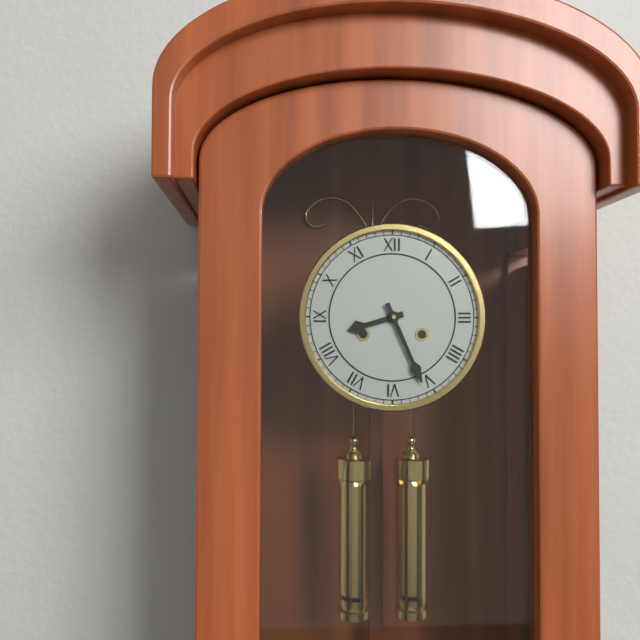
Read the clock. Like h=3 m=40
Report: h=8 m=26
